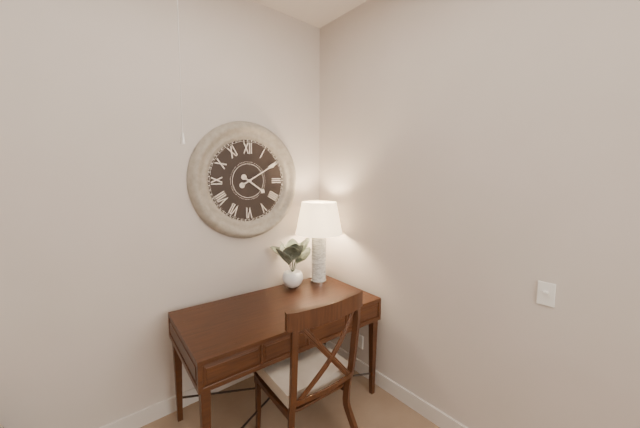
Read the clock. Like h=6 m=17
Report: h=4 m=10
